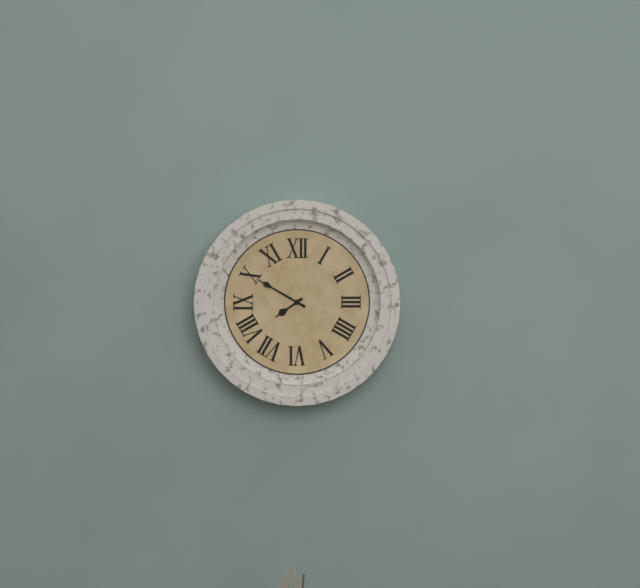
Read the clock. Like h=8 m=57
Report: h=7 m=50
